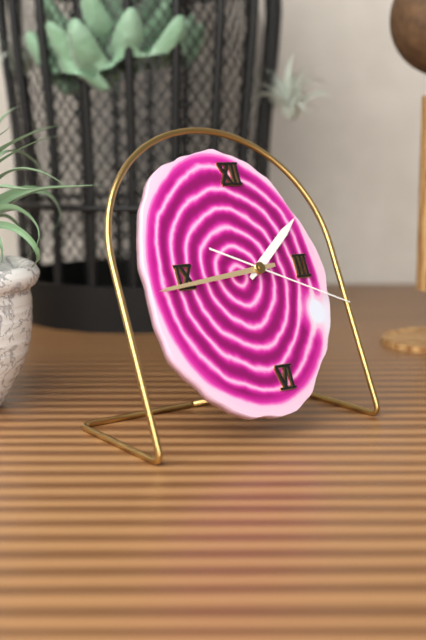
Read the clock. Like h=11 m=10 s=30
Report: h=1 m=44 s=19
